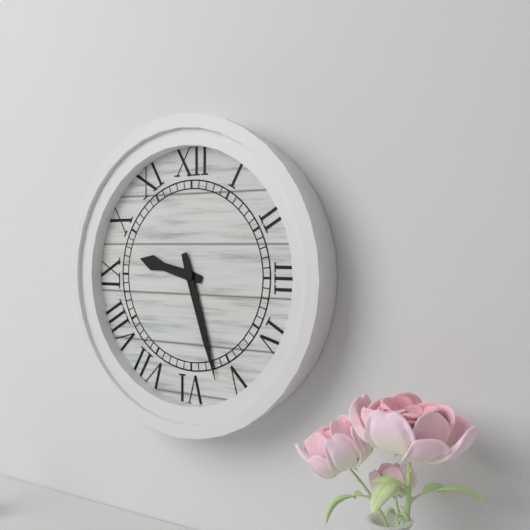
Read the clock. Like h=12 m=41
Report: h=9 m=27
